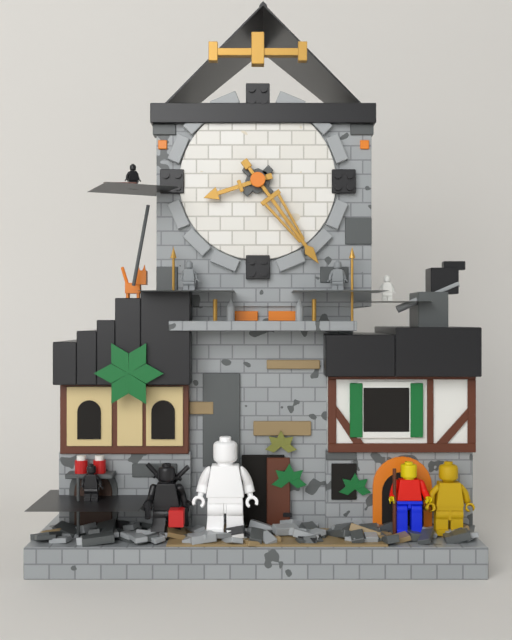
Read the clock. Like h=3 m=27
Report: h=8 m=24
